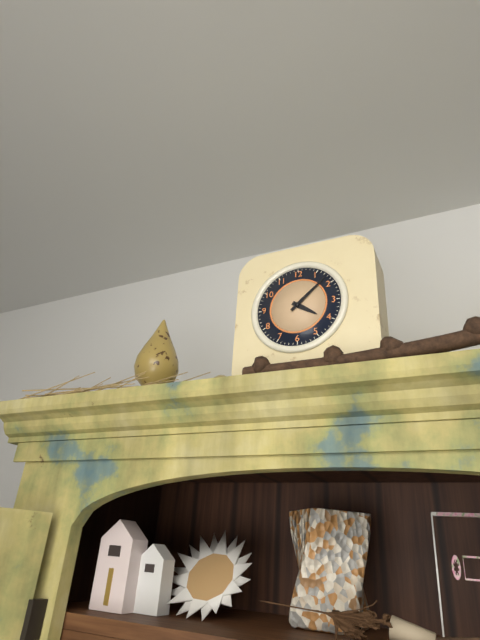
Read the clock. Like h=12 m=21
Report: h=4 m=8
